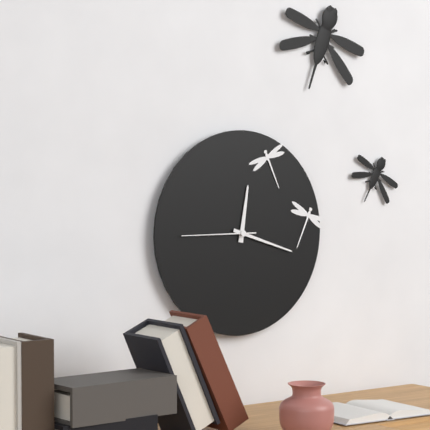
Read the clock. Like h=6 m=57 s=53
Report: h=12 m=18 s=45
